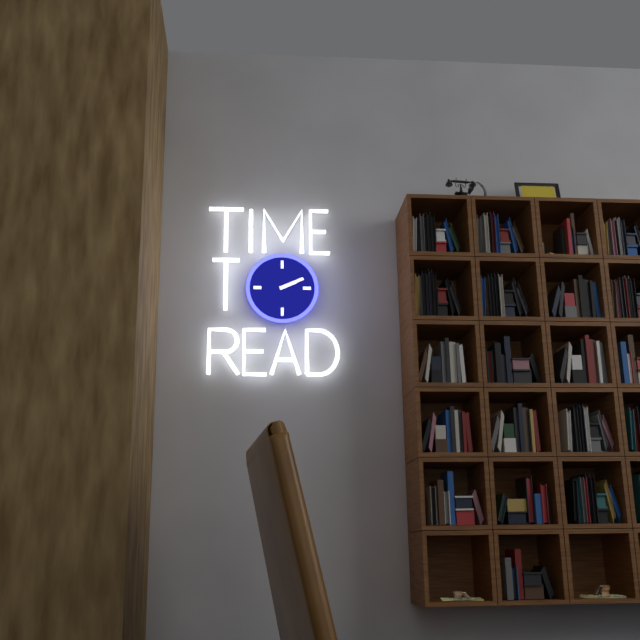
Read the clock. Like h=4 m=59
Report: h=2 m=11
